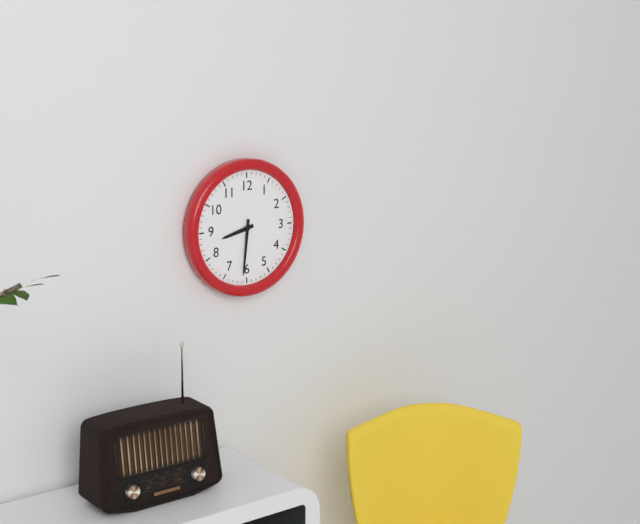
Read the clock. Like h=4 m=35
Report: h=8 m=31
